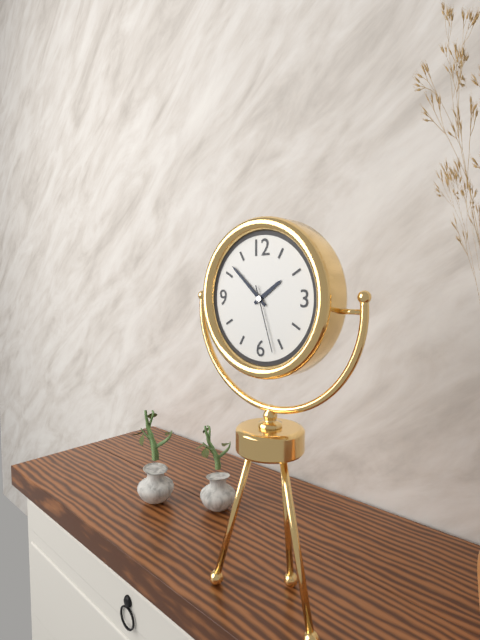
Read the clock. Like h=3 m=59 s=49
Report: h=1 m=52 s=27
